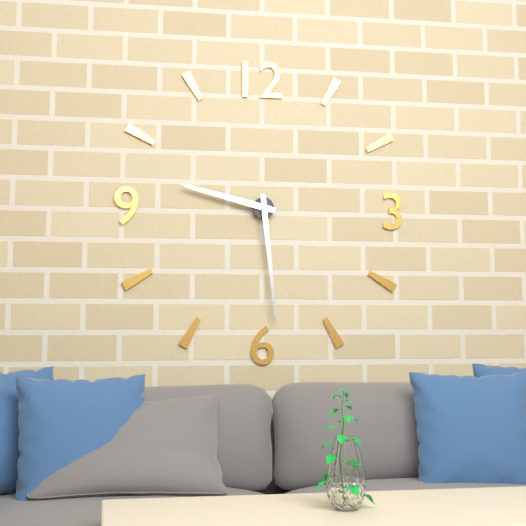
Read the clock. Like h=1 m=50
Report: h=9 m=29
